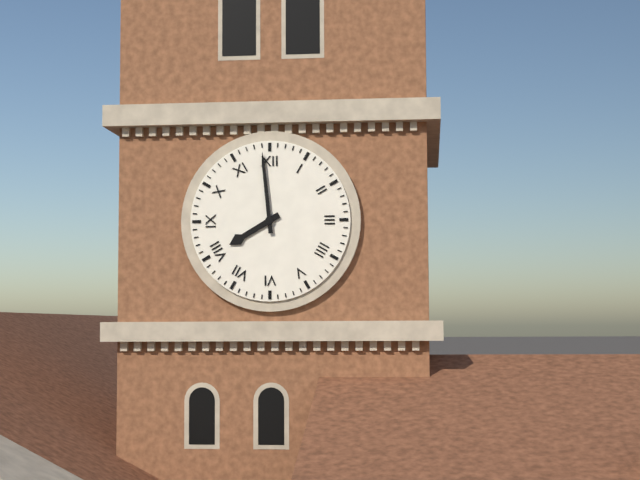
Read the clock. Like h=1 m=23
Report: h=7 m=59
